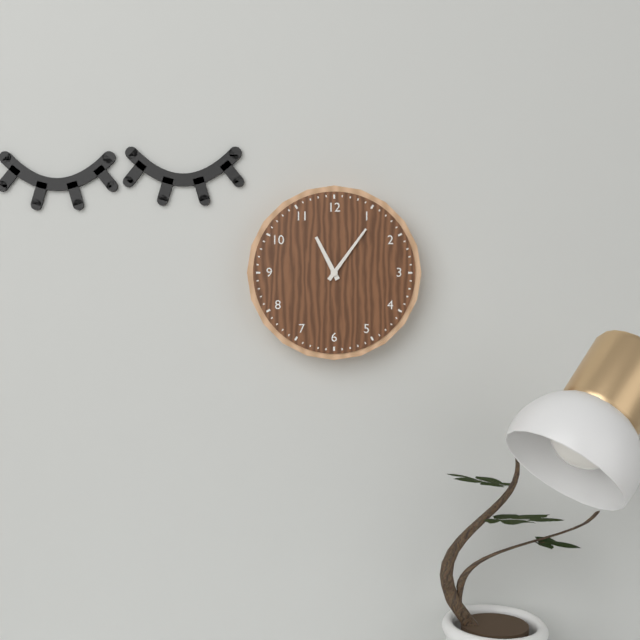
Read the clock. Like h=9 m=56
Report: h=11 m=6
